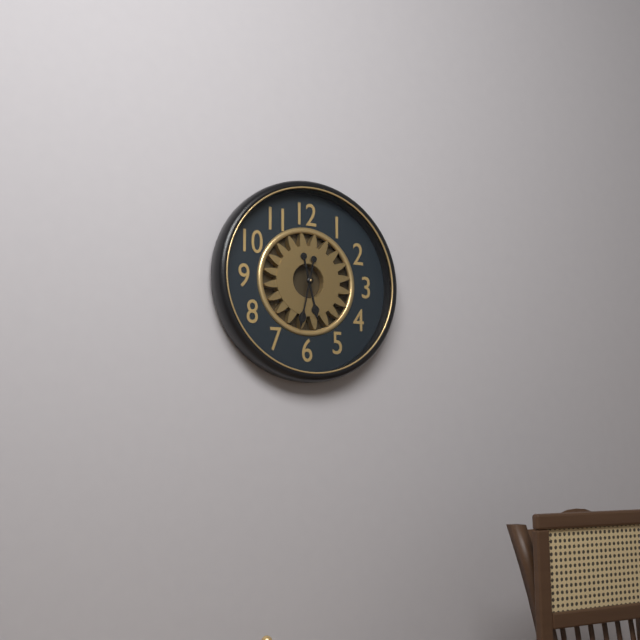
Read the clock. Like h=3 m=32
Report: h=5 m=32
